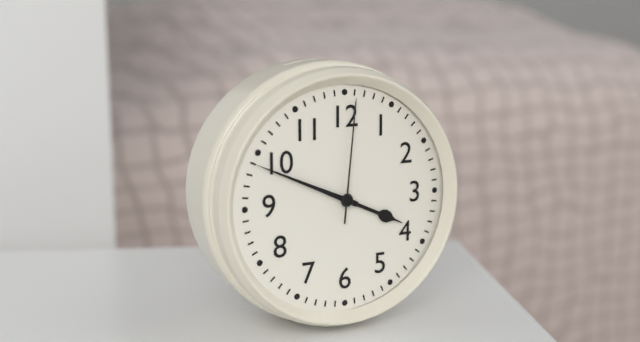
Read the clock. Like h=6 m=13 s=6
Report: h=3 m=49 s=1
